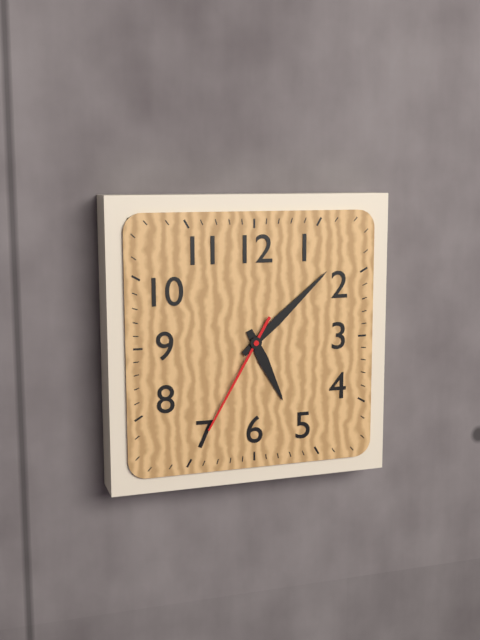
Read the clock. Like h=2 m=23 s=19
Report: h=5 m=8 s=35
